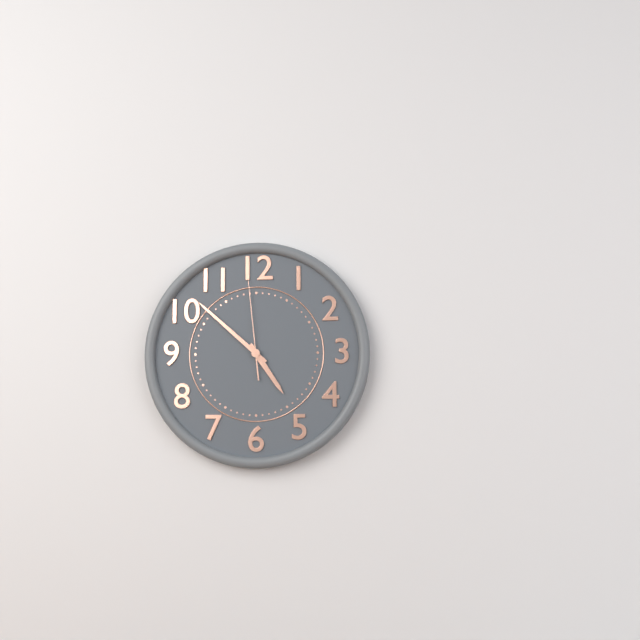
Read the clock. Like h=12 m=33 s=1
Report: h=4 m=52 s=59
